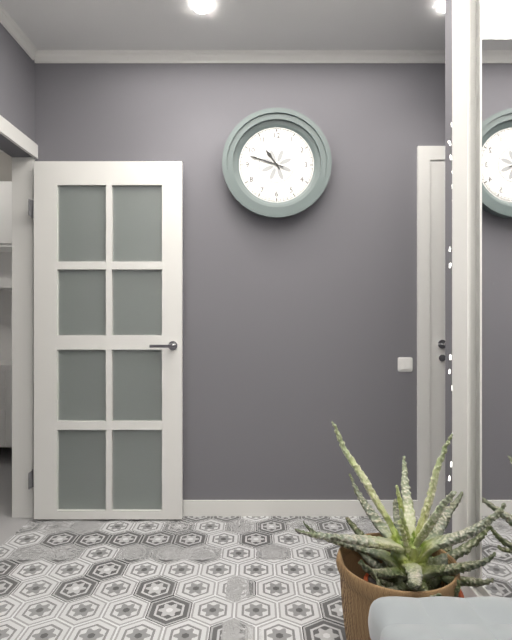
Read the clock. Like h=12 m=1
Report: h=10 m=48
